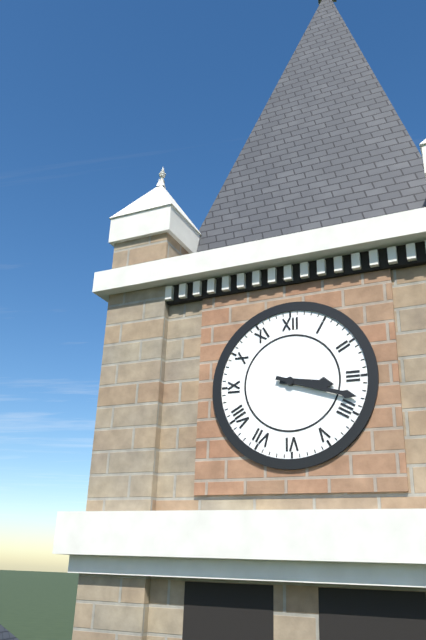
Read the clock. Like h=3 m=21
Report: h=3 m=18
